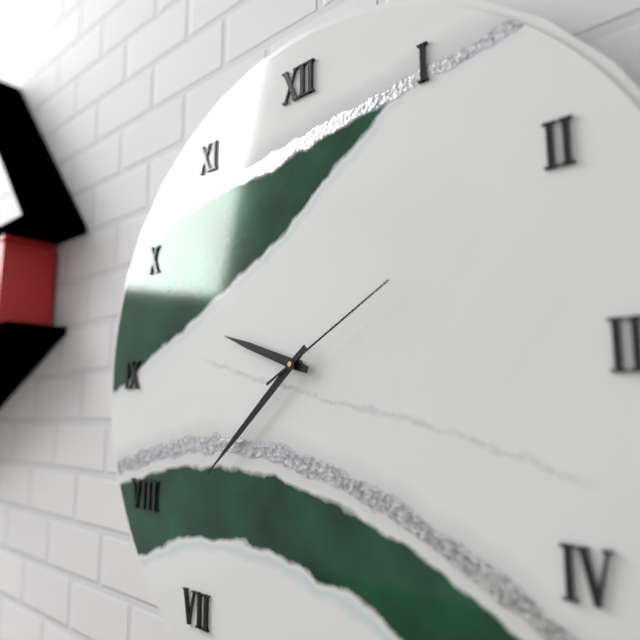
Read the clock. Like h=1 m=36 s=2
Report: h=9 m=38 s=10
